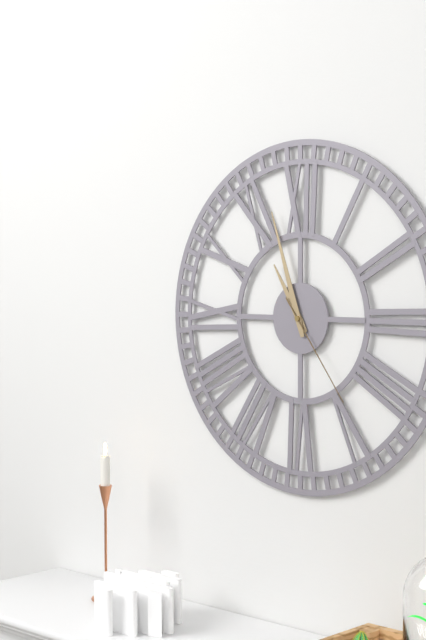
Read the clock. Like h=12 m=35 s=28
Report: h=10 m=57 s=24
